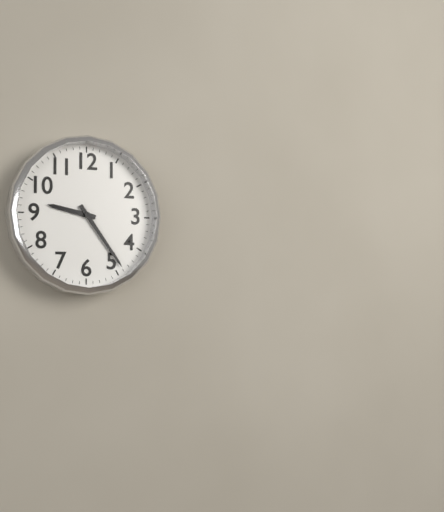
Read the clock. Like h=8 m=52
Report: h=9 m=24
